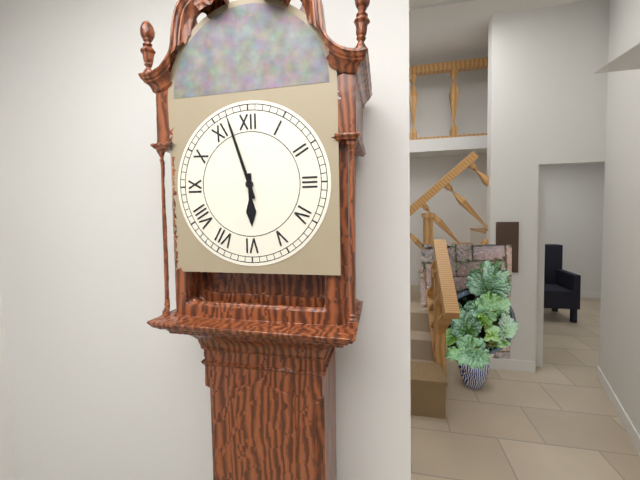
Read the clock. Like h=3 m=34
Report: h=5 m=57
